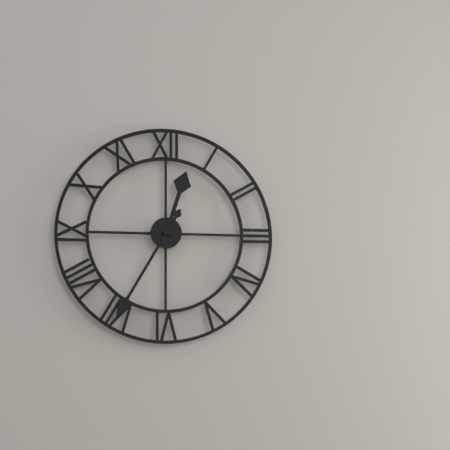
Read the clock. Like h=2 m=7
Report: h=12 m=35
